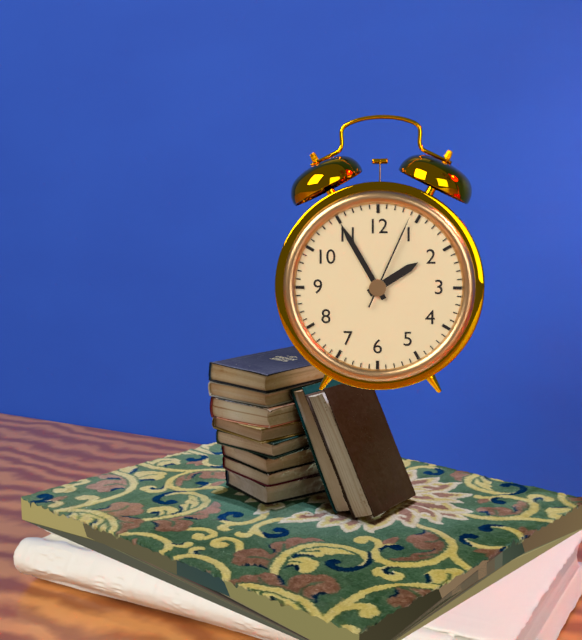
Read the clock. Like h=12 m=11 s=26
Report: h=1 m=55 s=4
